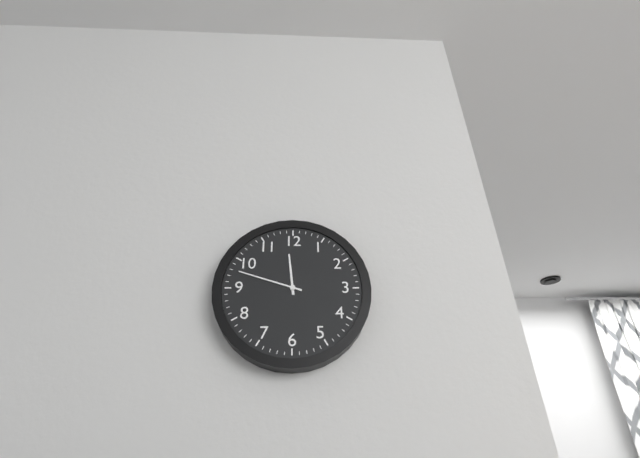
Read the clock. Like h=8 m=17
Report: h=11 m=48
